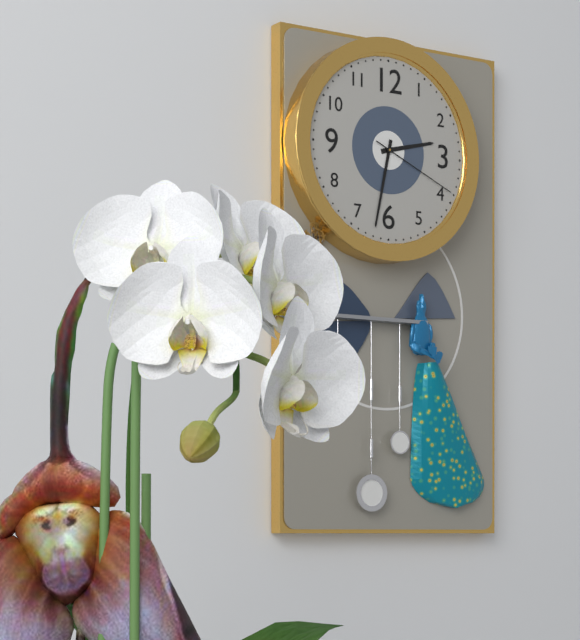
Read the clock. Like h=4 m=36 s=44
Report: h=2 m=32 s=19
